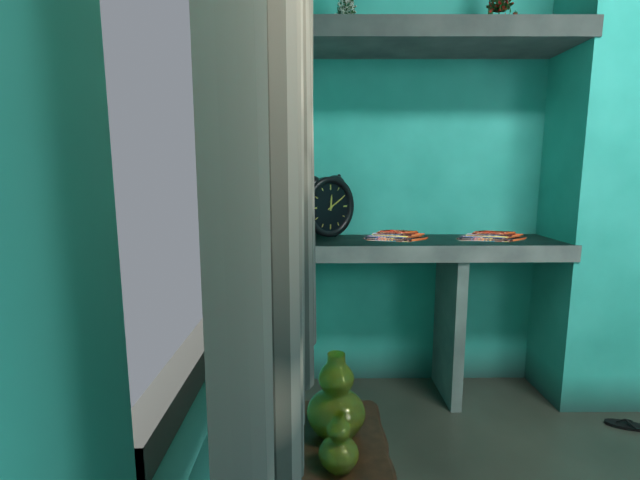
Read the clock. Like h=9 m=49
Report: h=12 m=10
